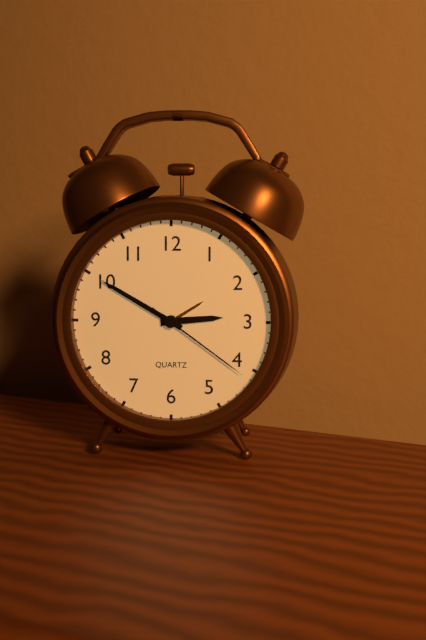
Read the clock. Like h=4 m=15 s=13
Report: h=2 m=50 s=21
